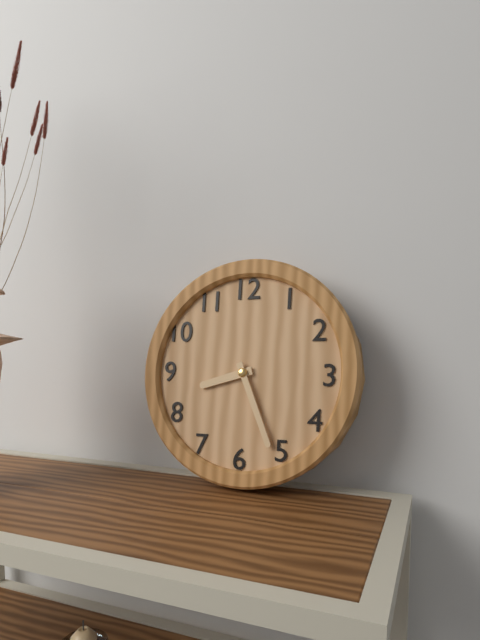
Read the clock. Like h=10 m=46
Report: h=8 m=26
